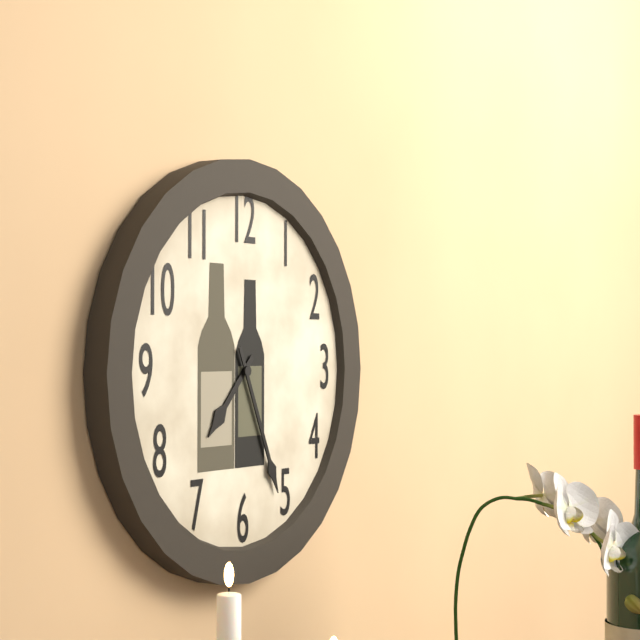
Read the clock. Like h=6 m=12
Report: h=7 m=26
